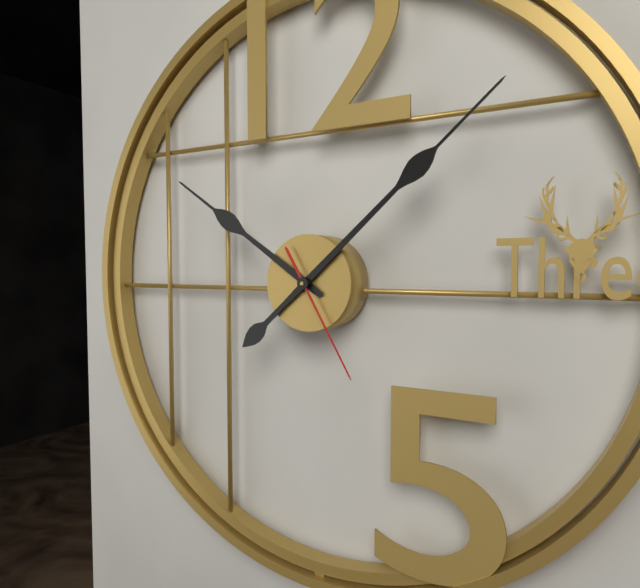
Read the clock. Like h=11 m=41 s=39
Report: h=10 m=8 s=25
